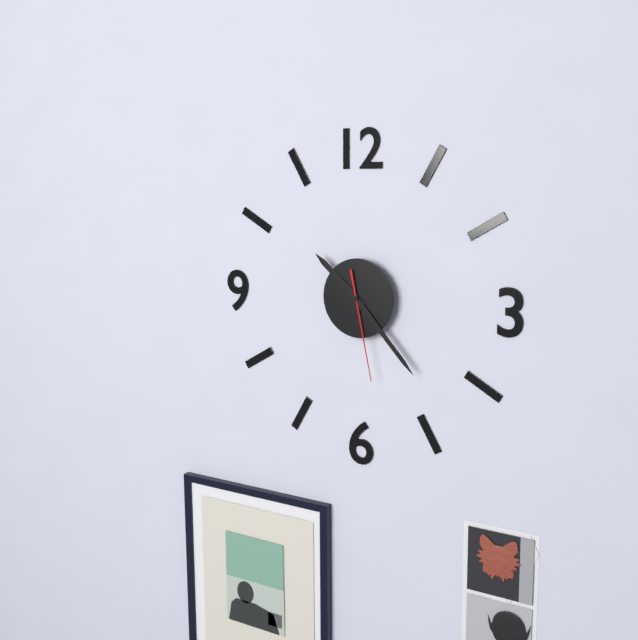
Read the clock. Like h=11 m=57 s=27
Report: h=10 m=23 s=28
